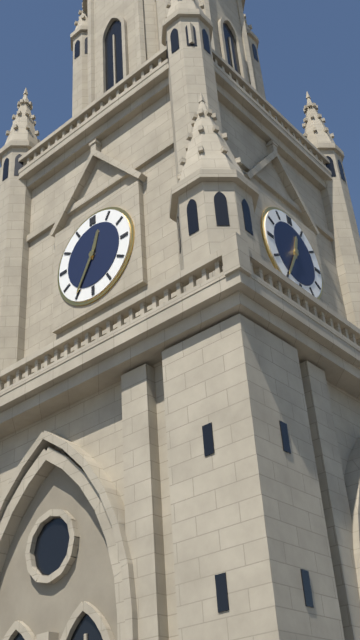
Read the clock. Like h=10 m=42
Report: h=12 m=35
